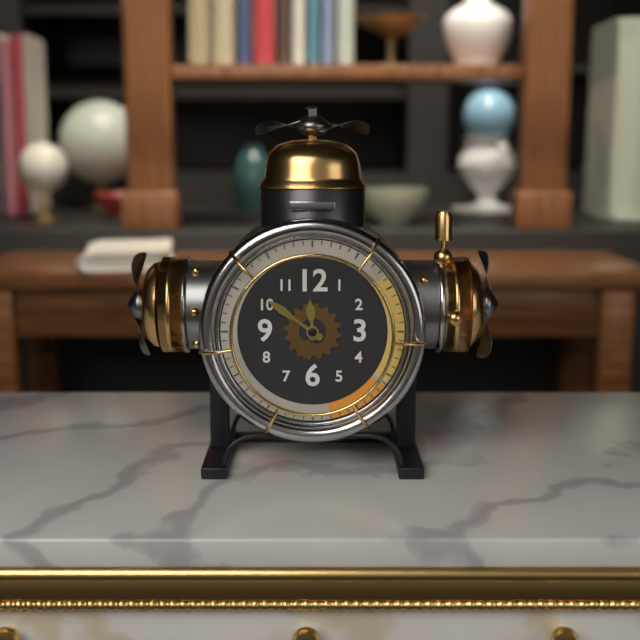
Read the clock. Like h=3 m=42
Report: h=11 m=51
